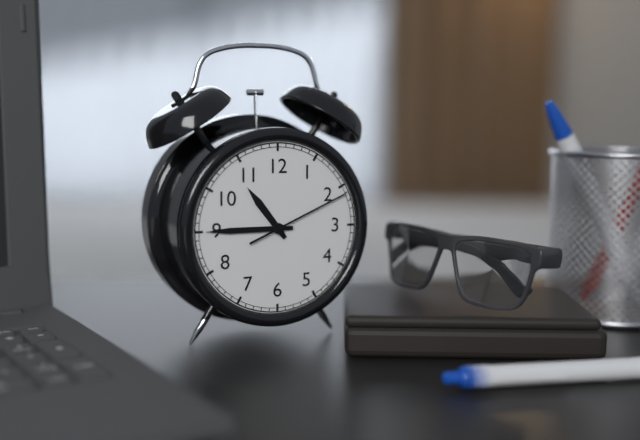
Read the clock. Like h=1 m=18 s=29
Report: h=10 m=45 s=11
